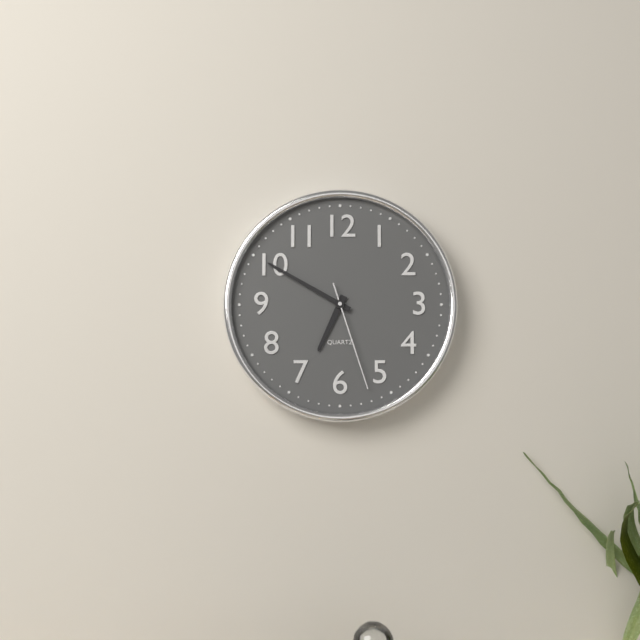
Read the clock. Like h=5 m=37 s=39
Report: h=6 m=50 s=27
